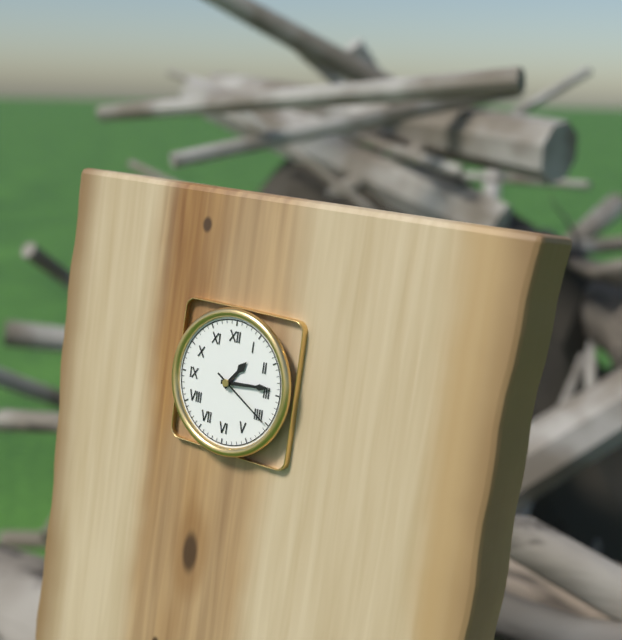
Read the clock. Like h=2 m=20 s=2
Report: h=1 m=14 s=20
